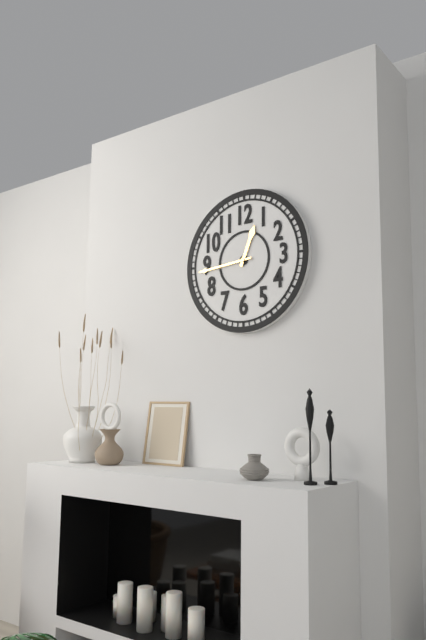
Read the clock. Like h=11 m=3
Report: h=12 m=44
